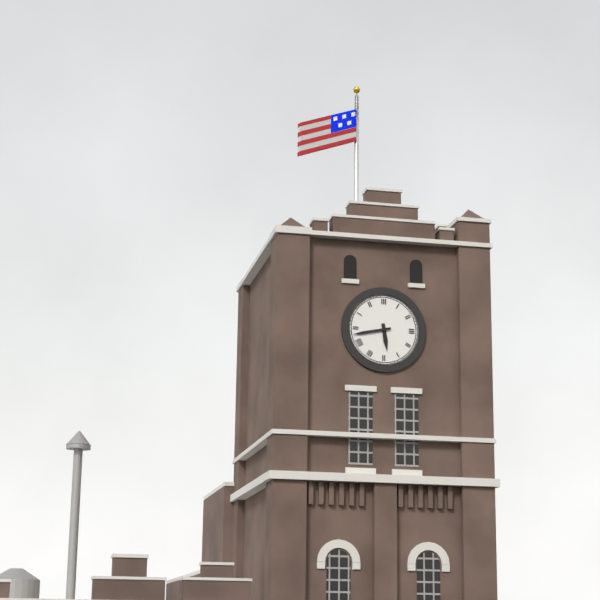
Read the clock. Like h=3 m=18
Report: h=5 m=43
